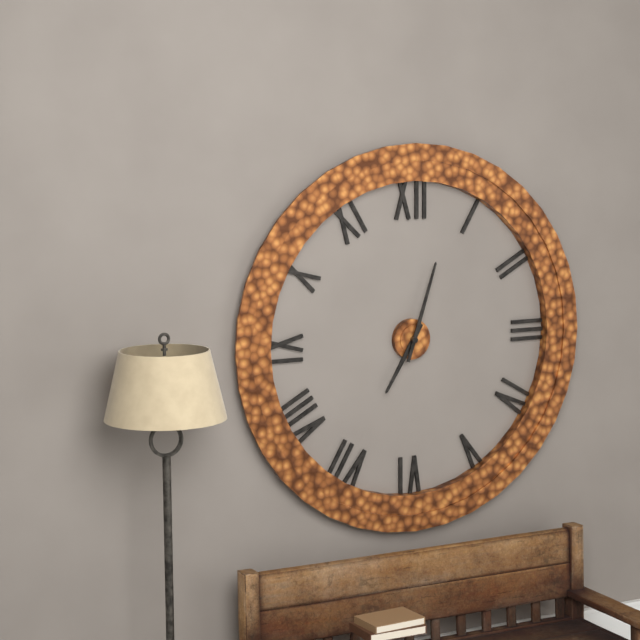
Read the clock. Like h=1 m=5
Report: h=7 m=3
